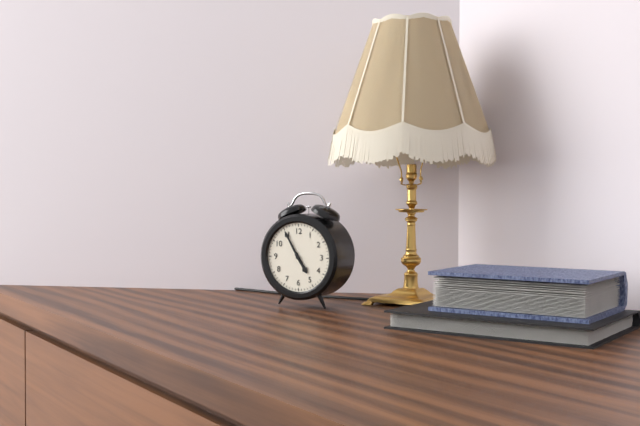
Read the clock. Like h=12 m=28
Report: h=4 m=55
